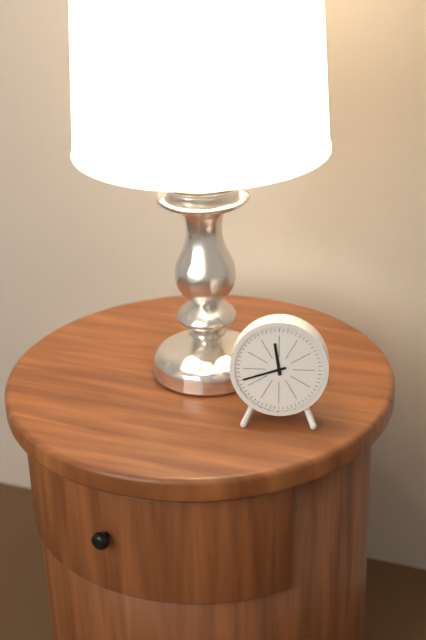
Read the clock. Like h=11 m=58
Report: h=11 m=42
